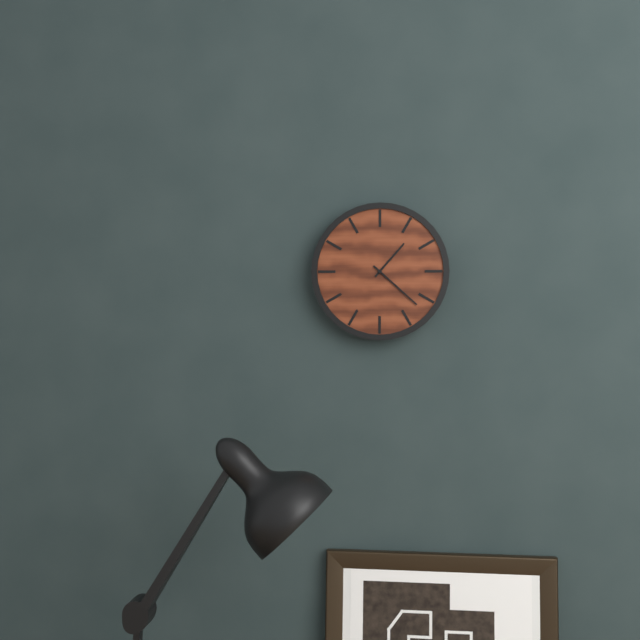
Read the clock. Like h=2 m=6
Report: h=1 m=22
